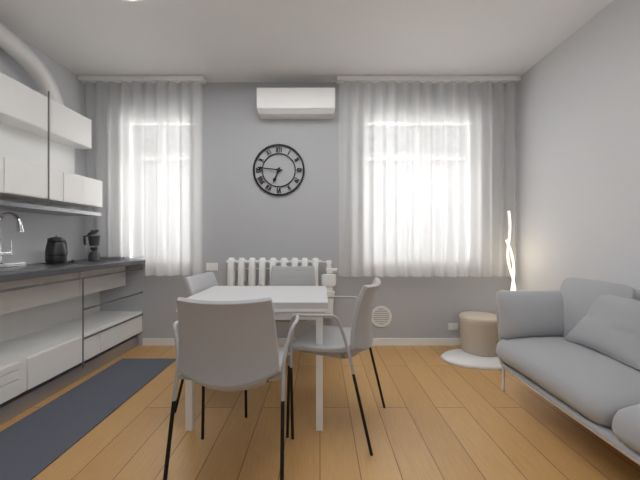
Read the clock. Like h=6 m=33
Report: h=6 m=46
